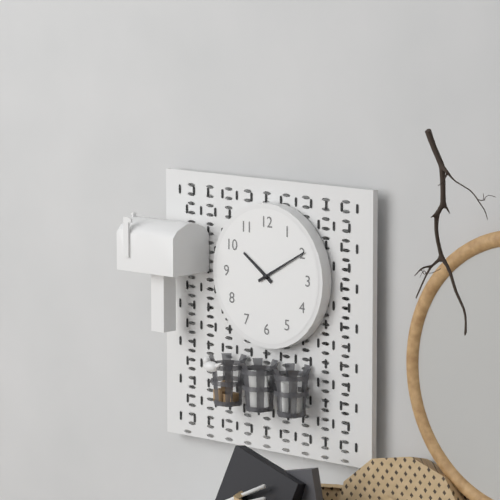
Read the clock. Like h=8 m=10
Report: h=10 m=10
